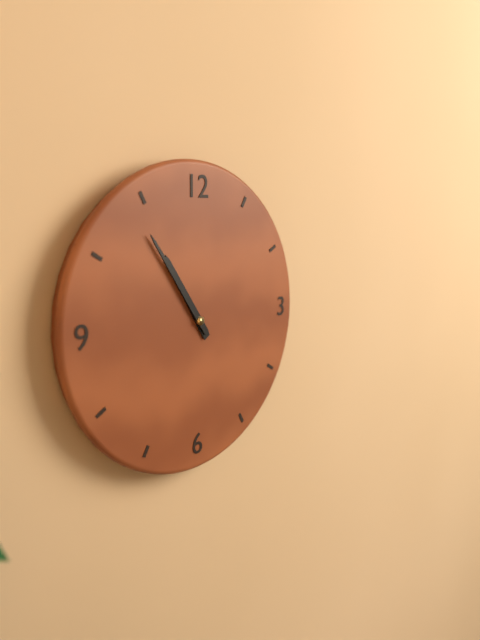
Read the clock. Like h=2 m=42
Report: h=10 m=54
